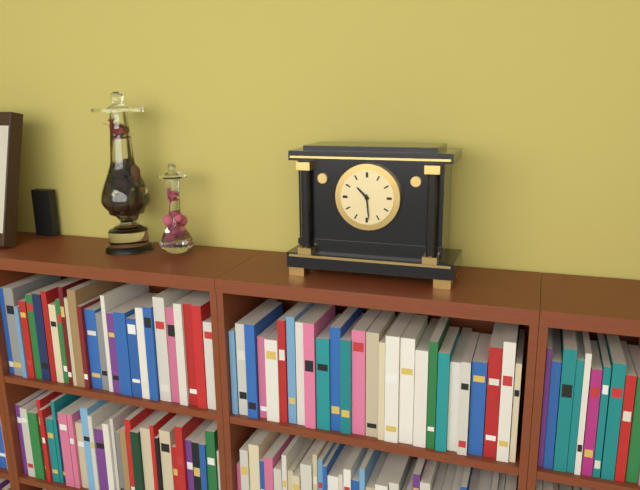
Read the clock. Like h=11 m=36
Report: h=10 m=29
